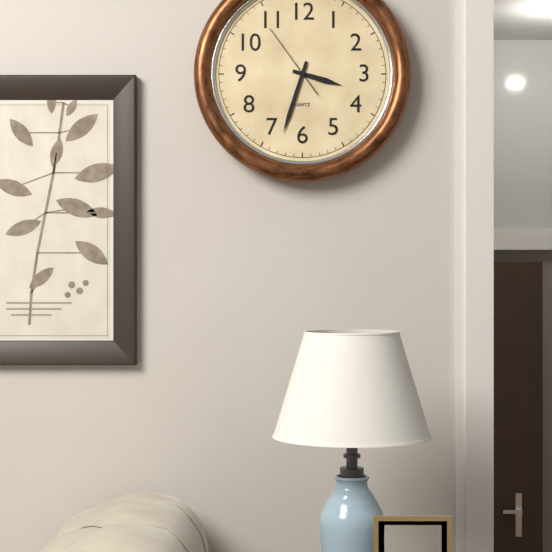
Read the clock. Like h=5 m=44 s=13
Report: h=3 m=33 s=54
